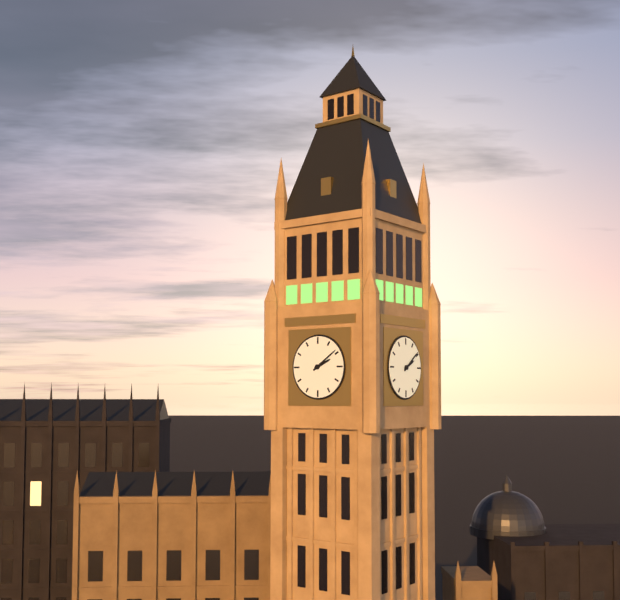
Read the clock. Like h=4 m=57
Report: h=2 m=9
